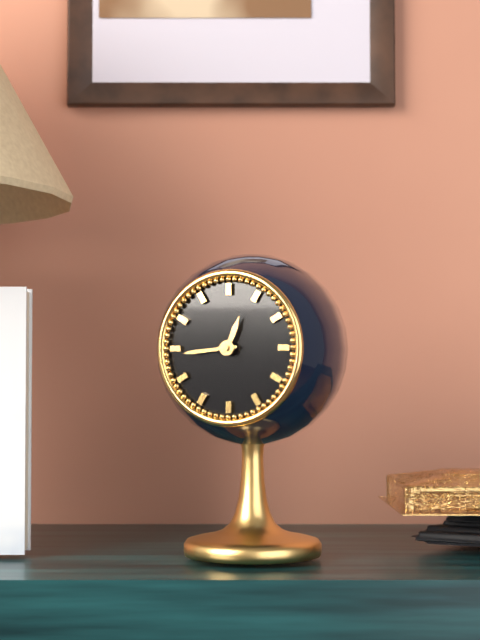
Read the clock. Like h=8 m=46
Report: h=12 m=44
